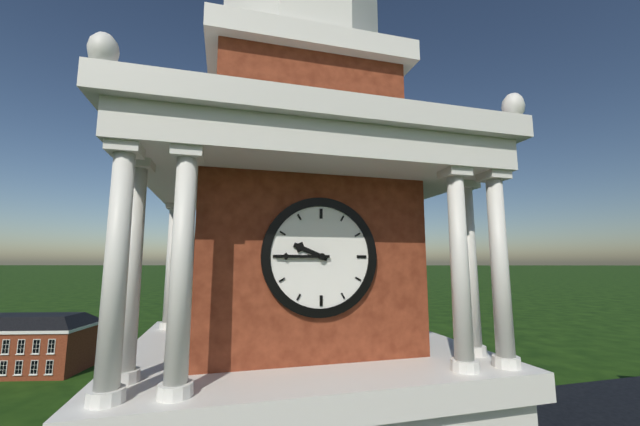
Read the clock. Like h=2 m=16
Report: h=9 m=45
